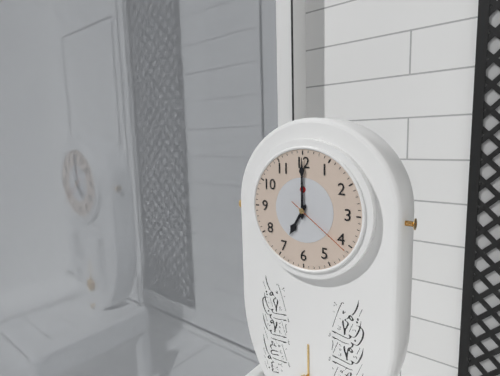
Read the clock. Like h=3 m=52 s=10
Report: h=7 m=0 s=21
